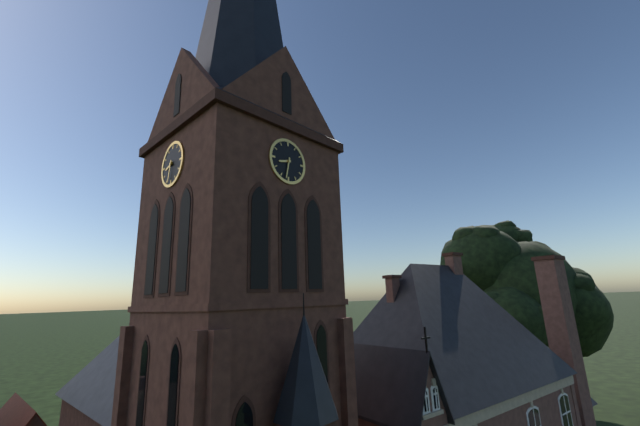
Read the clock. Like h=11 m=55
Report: h=8 m=32
